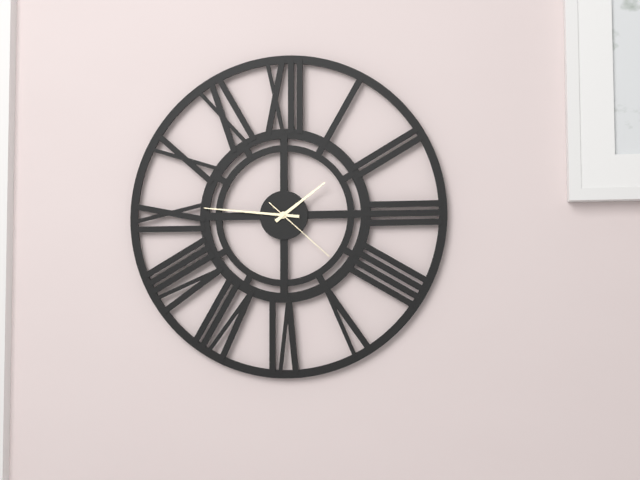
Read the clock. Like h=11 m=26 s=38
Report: h=1 m=46 s=22
